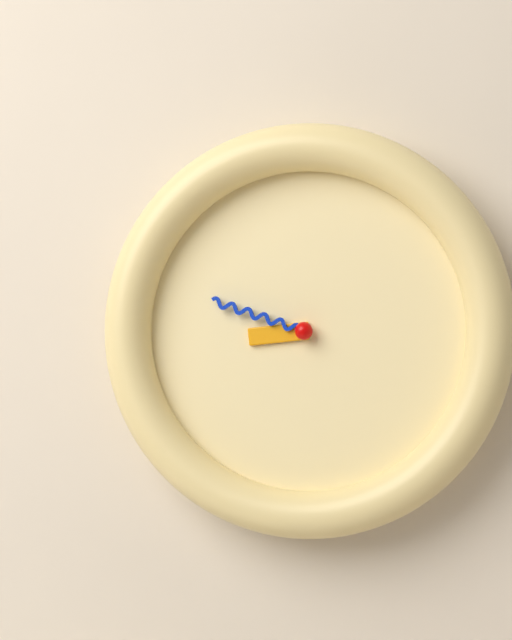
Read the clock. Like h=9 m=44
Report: h=8 m=48
